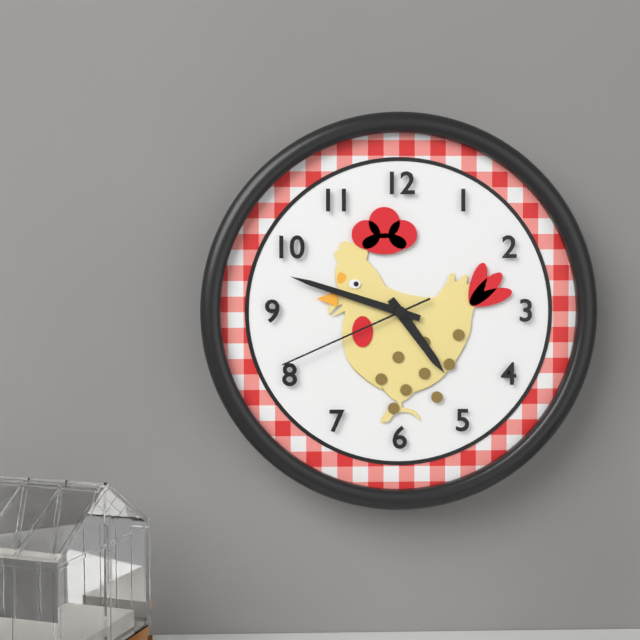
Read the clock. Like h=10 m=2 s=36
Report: h=4 m=48 s=41
